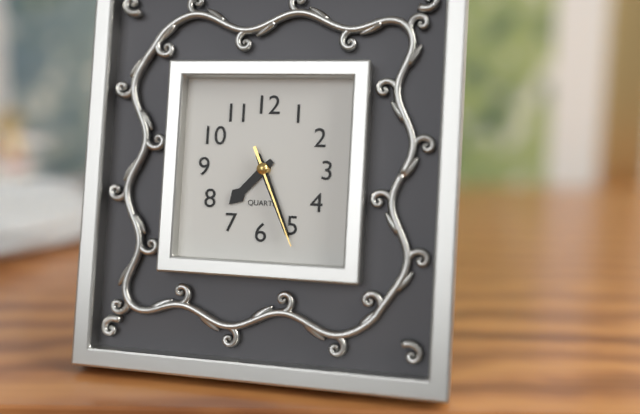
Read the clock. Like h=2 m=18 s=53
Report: h=7 m=26 s=26
